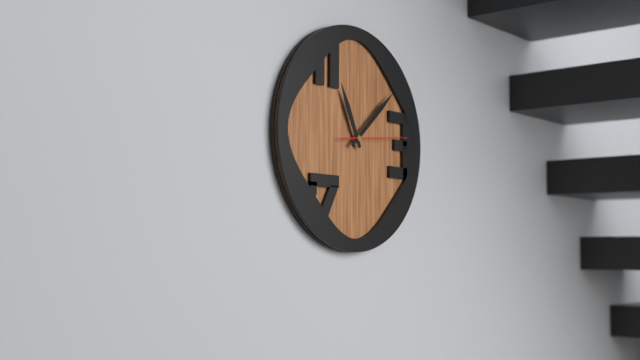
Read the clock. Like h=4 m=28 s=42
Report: h=11 m=8 s=14
